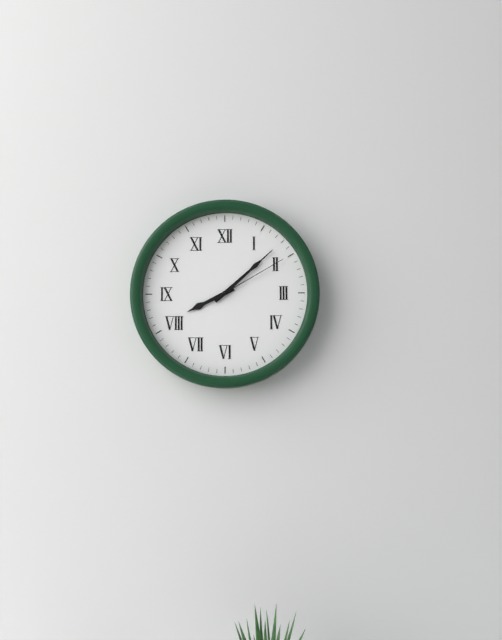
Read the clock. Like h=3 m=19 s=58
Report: h=8 m=8 s=10
